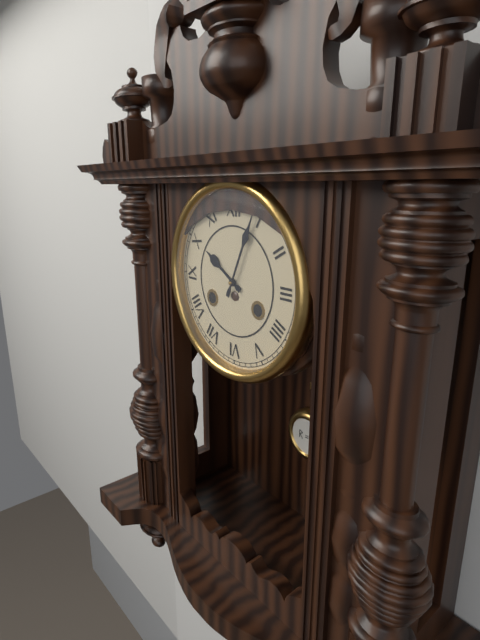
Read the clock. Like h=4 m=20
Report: h=10 m=4
